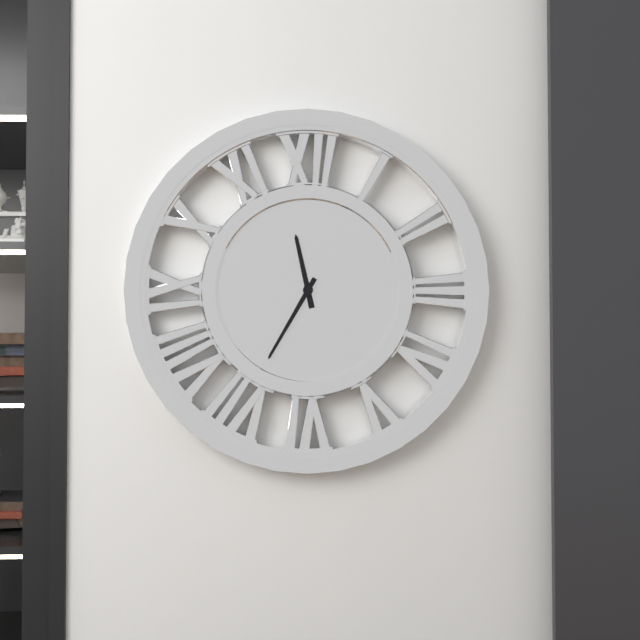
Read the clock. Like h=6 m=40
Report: h=11 m=35
